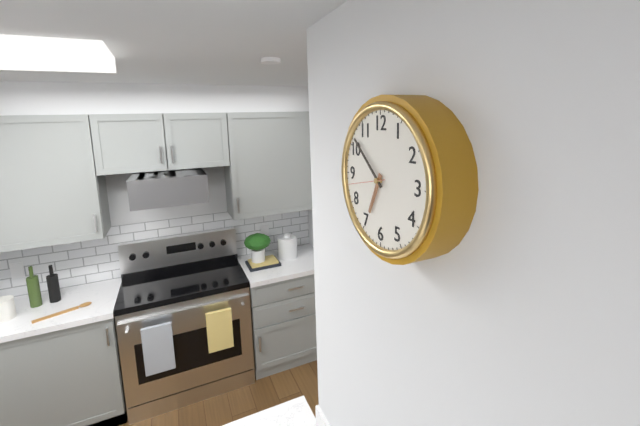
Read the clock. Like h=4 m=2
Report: h=6 m=52
